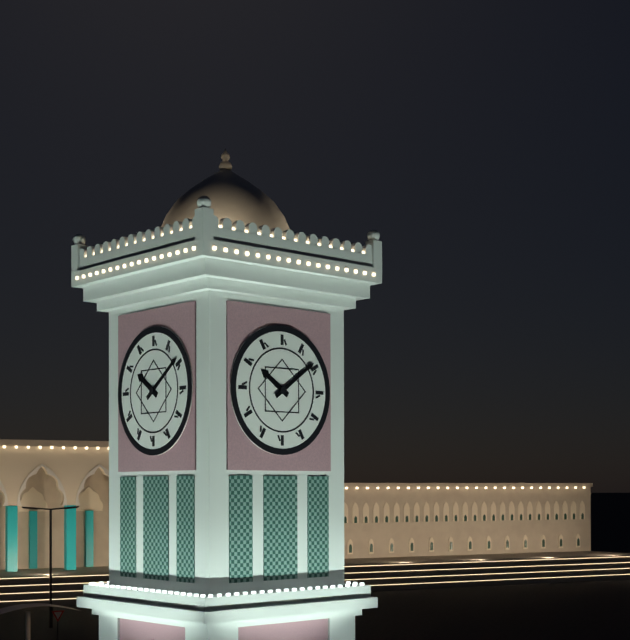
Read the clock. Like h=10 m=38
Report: h=10 m=9
